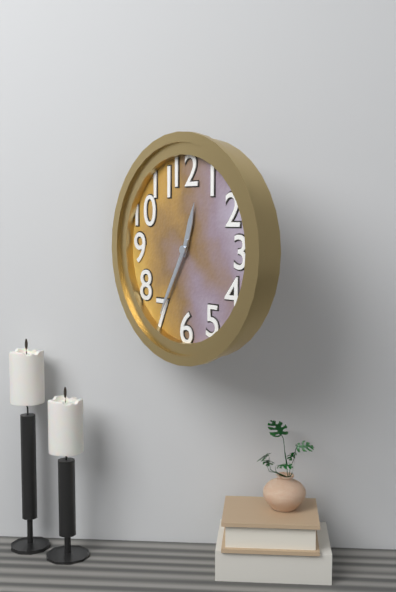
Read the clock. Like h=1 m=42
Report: h=12 m=35
